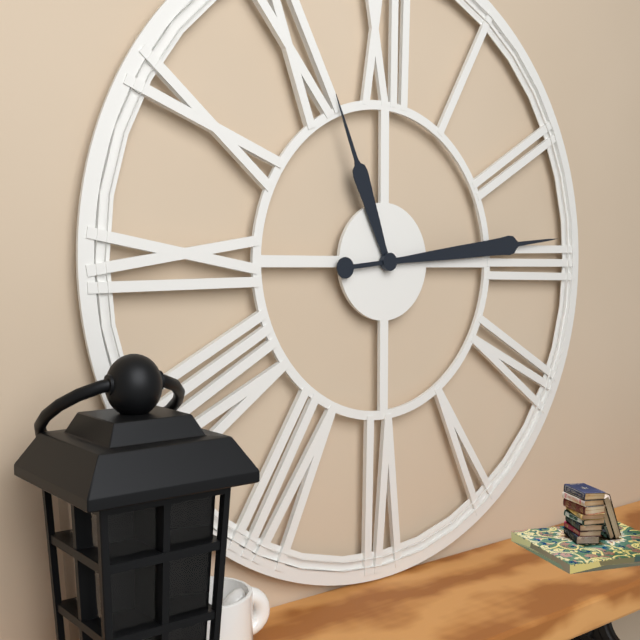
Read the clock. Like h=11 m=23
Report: h=11 m=14
